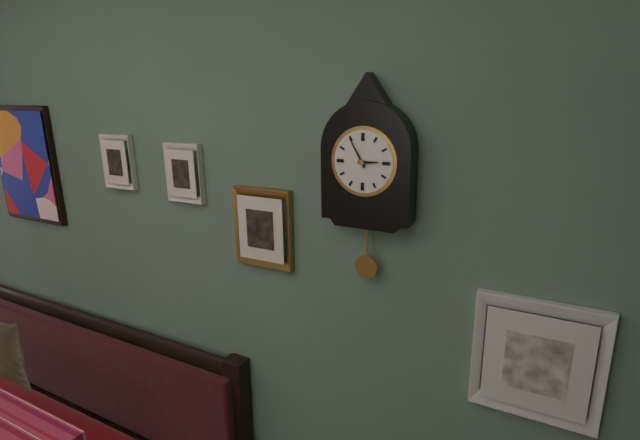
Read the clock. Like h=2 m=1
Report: h=2 m=55
